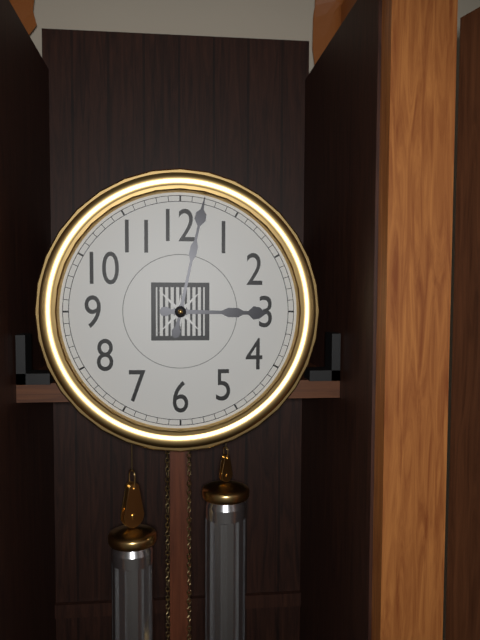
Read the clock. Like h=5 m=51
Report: h=3 m=2
